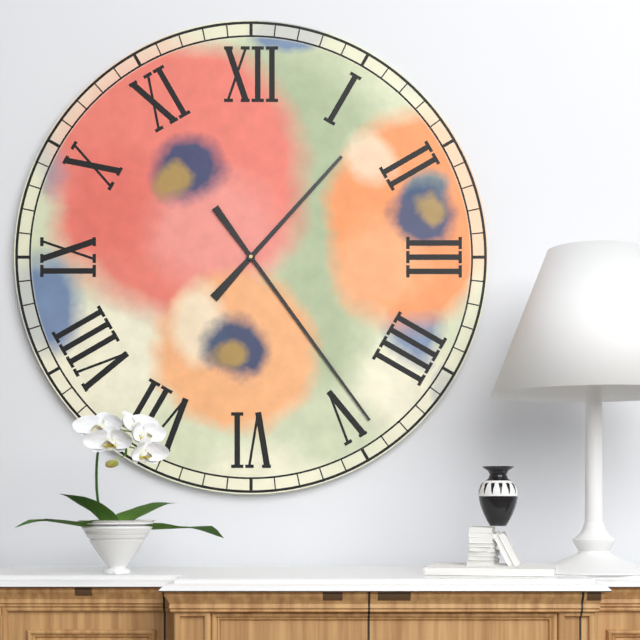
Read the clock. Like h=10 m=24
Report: h=1 m=24
